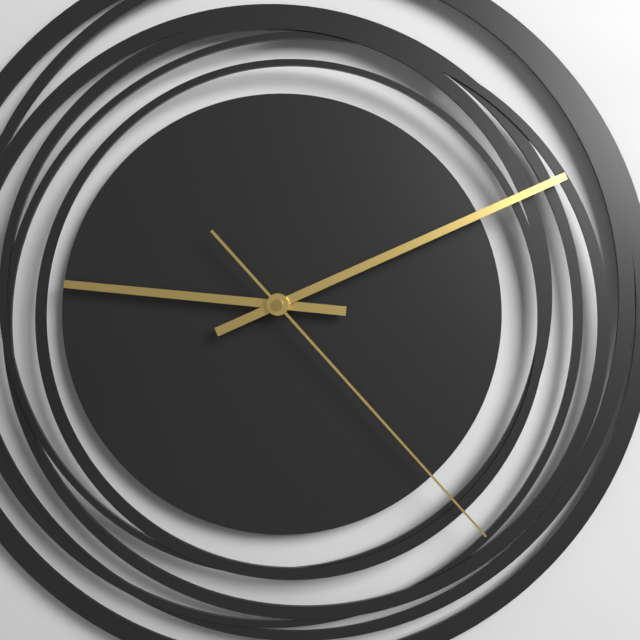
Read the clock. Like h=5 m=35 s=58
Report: h=9 m=11 s=23
